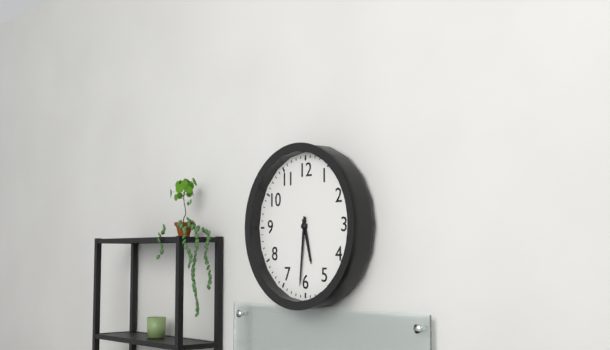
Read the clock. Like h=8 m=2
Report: h=5 m=31
